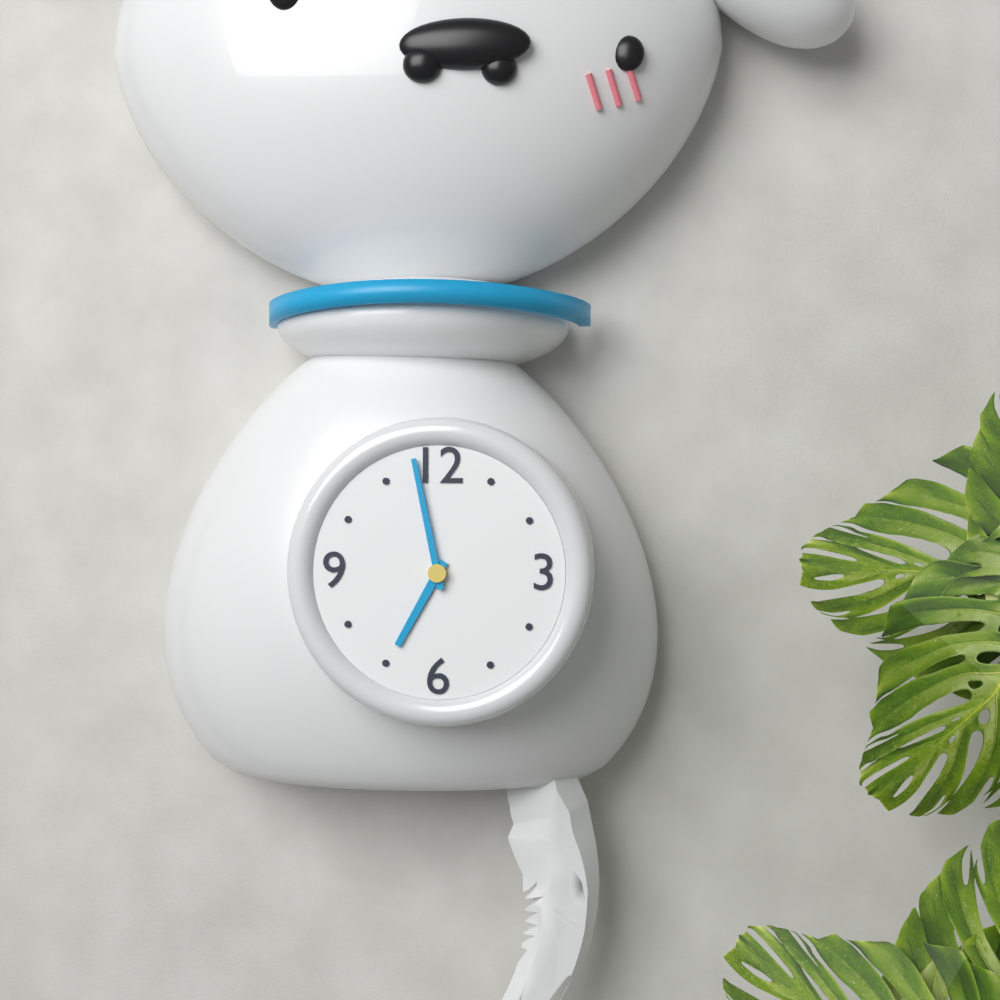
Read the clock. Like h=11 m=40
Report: h=6 m=58
